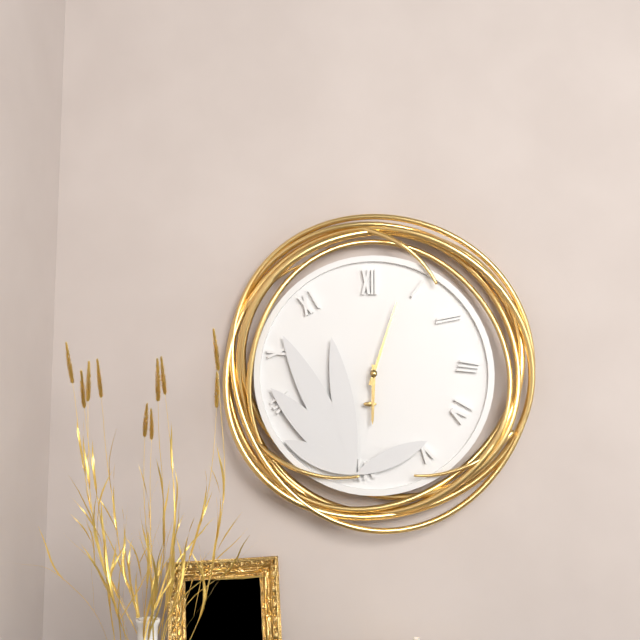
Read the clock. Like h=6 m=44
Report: h=6 m=3
